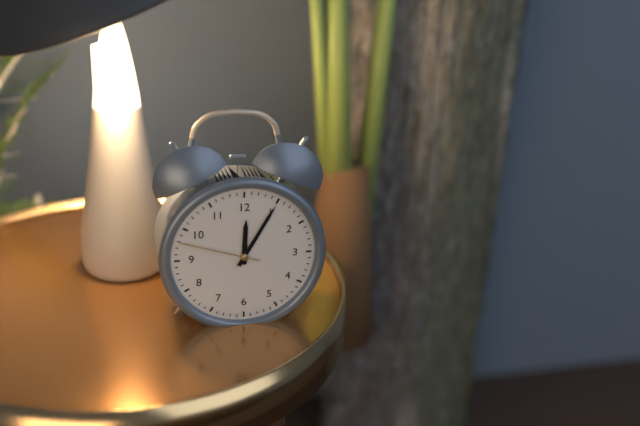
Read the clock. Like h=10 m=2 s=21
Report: h=12 m=5 s=48
